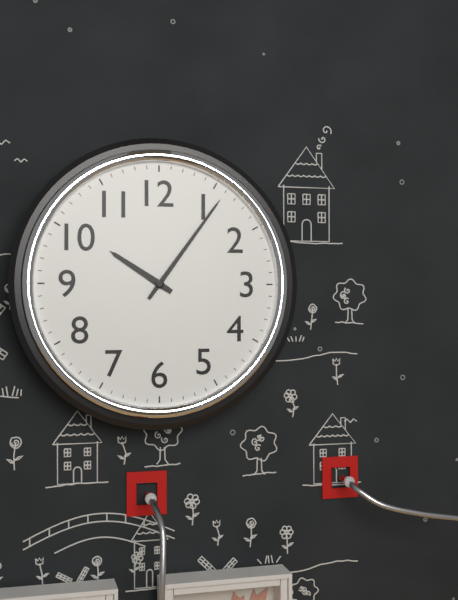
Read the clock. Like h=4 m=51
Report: h=10 m=6
